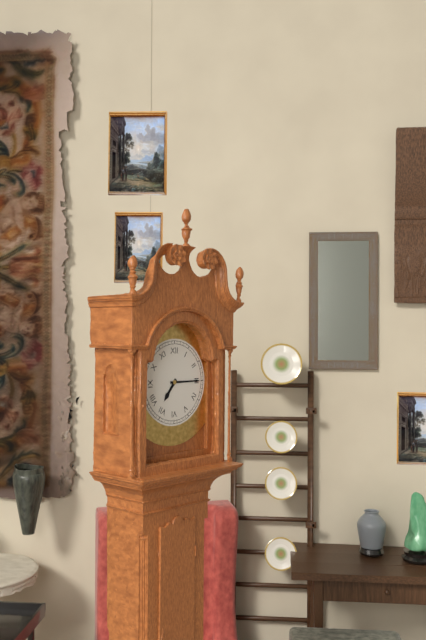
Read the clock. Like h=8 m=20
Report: h=7 m=15
